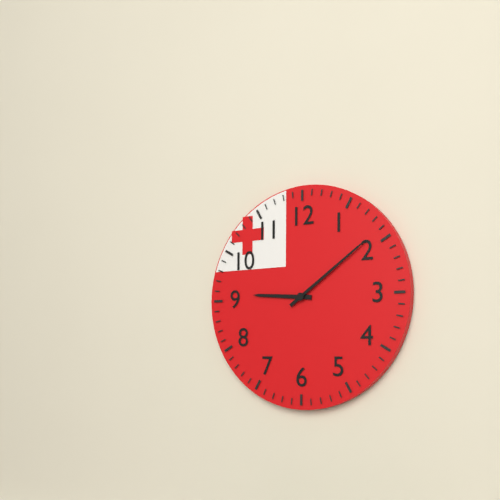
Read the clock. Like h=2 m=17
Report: h=9 m=9
